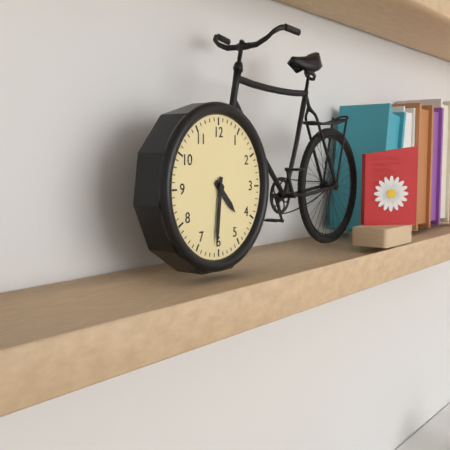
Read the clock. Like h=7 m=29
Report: h=4 m=31
